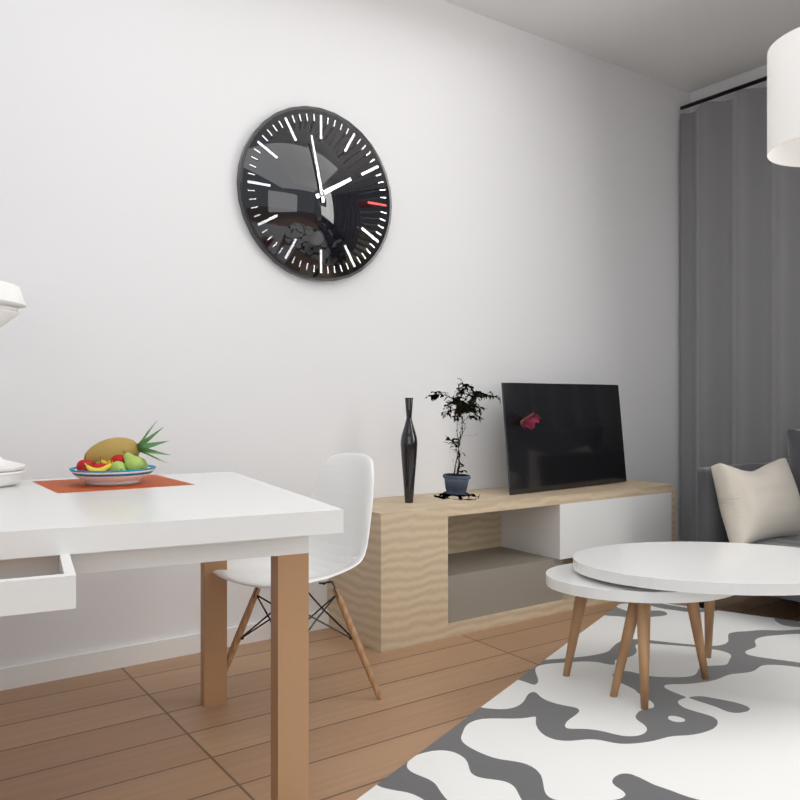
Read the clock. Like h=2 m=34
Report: h=1 m=58
